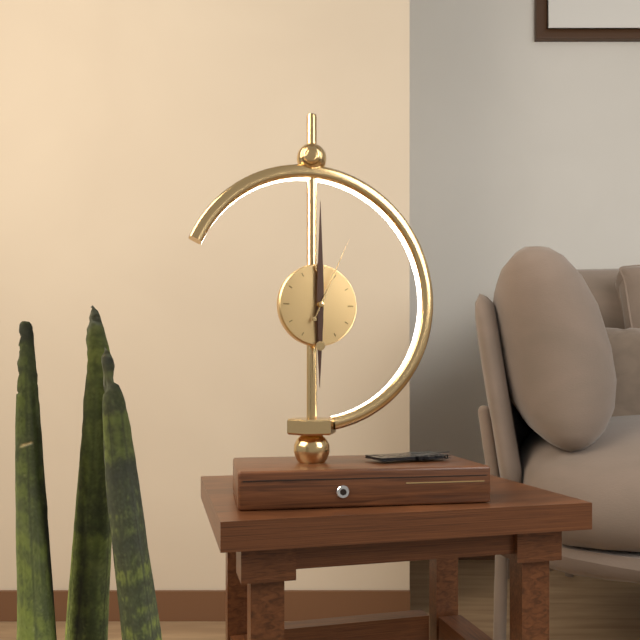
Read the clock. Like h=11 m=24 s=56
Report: h=6 m=0 s=4
